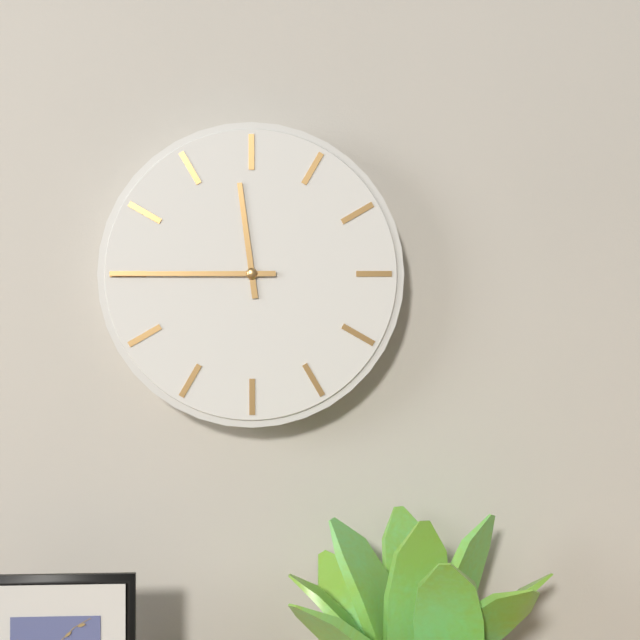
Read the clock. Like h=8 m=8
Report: h=11 m=45
